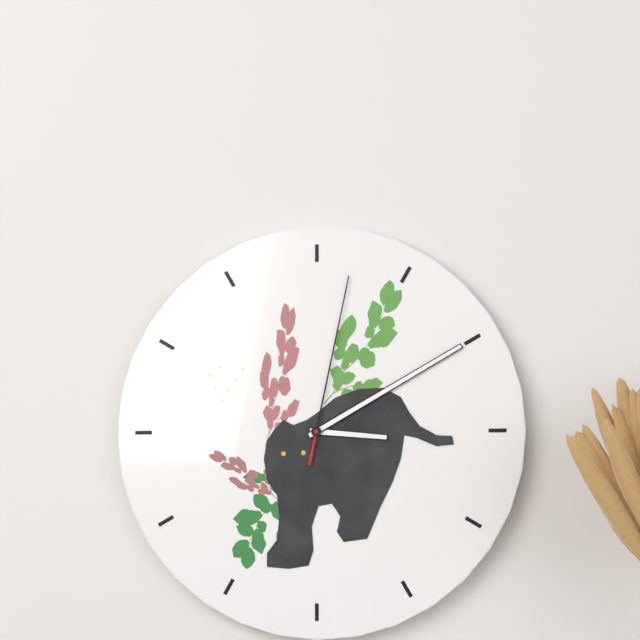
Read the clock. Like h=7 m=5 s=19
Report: h=3 m=10 s=2
